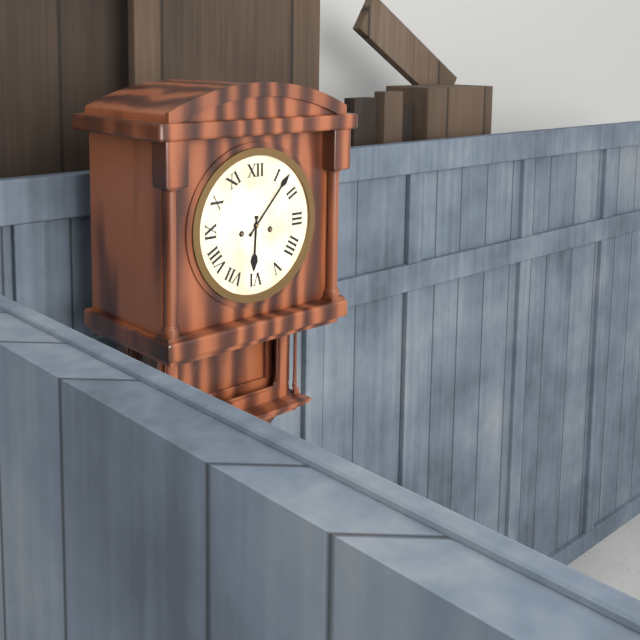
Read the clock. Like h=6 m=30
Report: h=6 m=7
